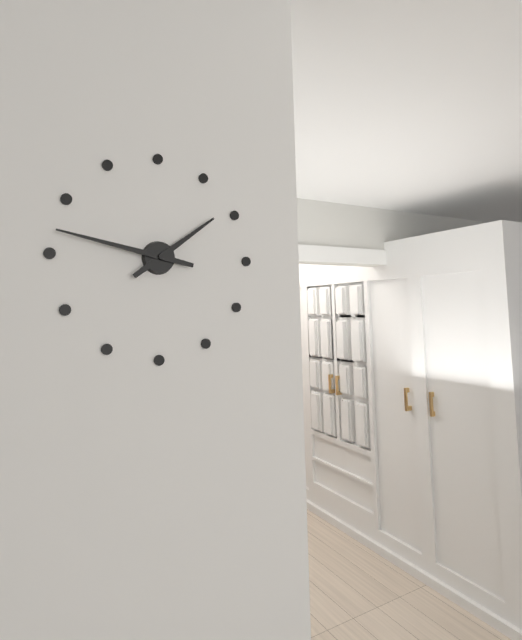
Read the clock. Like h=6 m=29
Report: h=1 m=47
